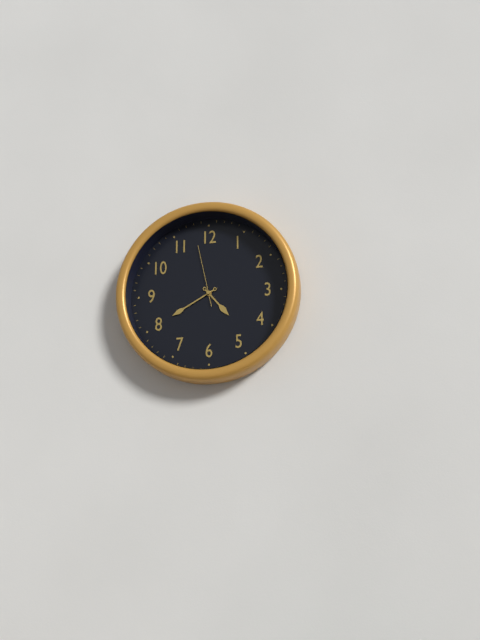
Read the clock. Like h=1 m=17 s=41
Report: h=4 m=40 s=58
